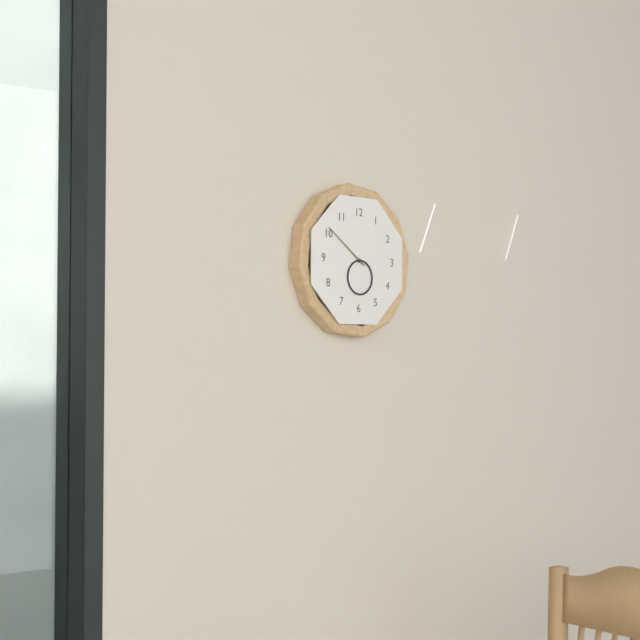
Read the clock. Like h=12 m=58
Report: h=5 m=51
